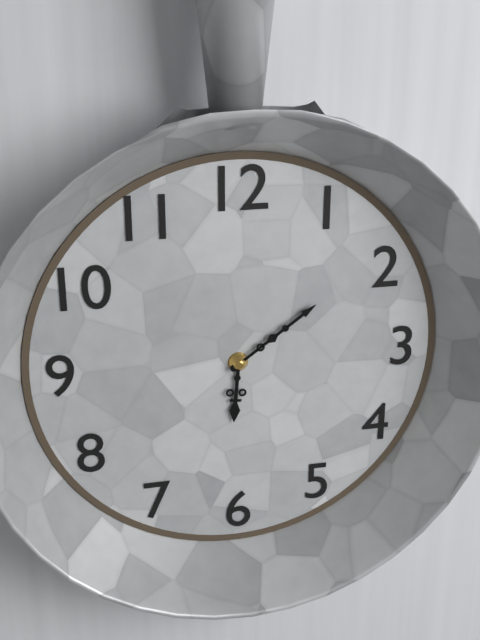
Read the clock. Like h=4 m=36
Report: h=6 m=9
